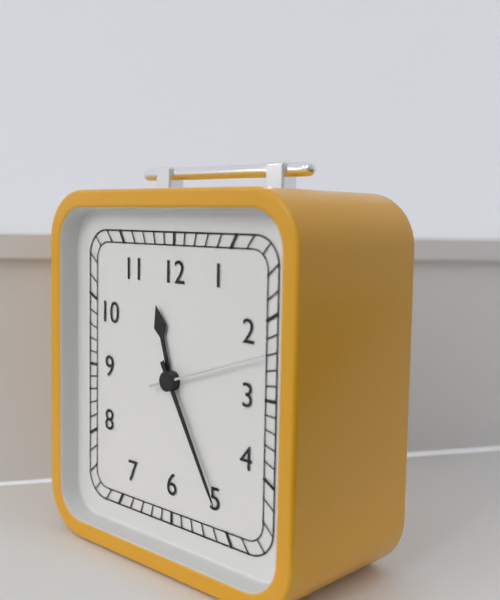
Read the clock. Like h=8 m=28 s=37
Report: h=11 m=25 s=12
